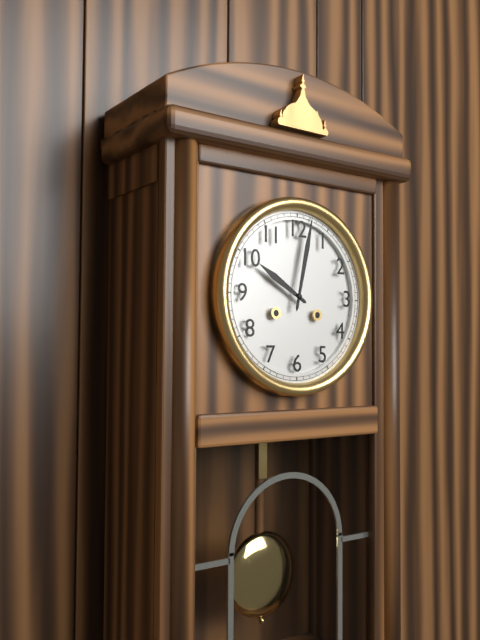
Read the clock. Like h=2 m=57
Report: h=10 m=2
